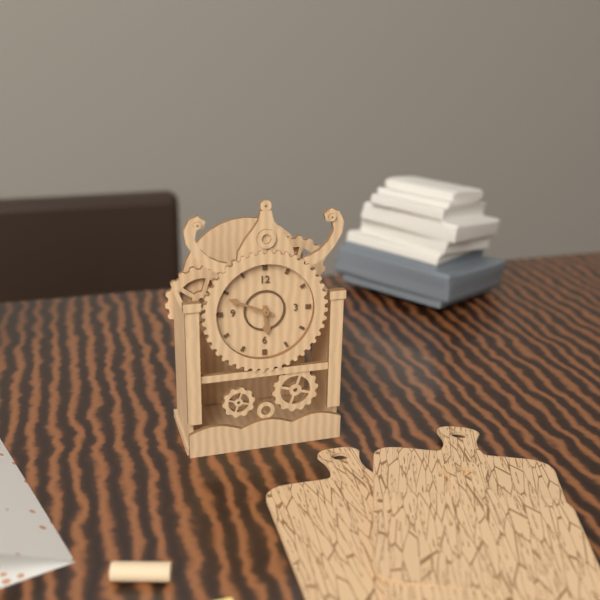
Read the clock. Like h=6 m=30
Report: h=5 m=49
